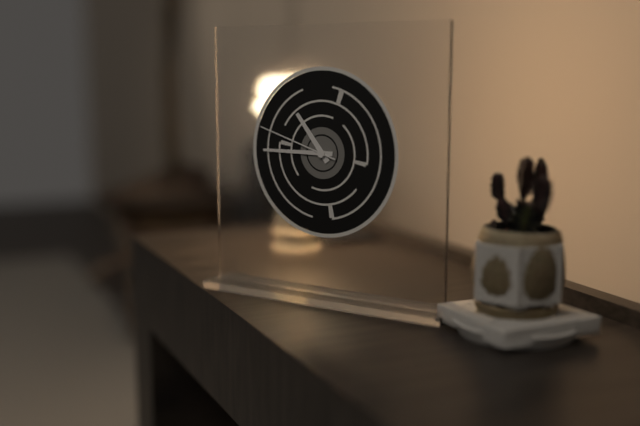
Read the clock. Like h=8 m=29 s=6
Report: h=10 m=45 s=48
